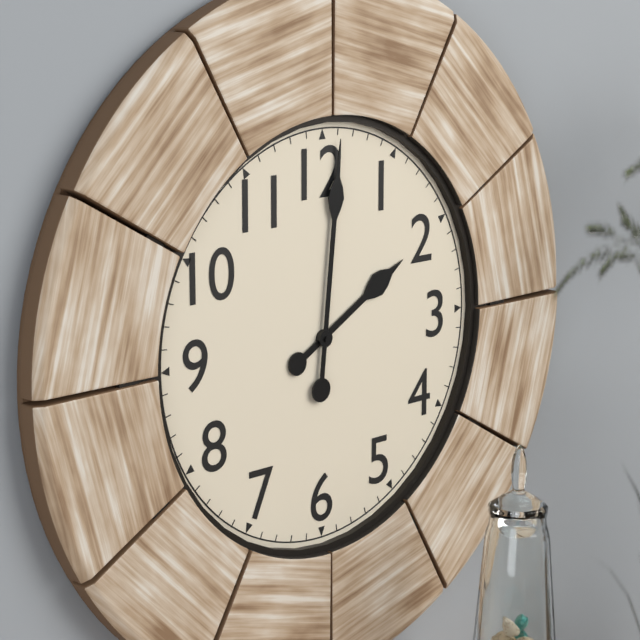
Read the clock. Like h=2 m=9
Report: h=2 m=1
